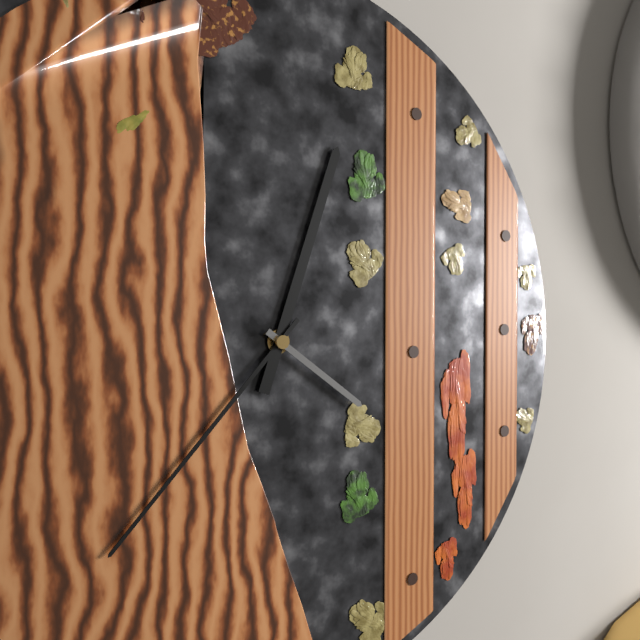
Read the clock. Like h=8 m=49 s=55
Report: h=12 m=37 s=21
